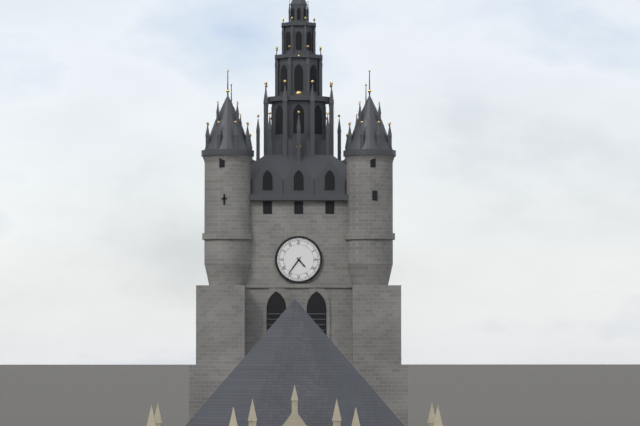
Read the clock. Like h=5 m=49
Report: h=4 m=36
